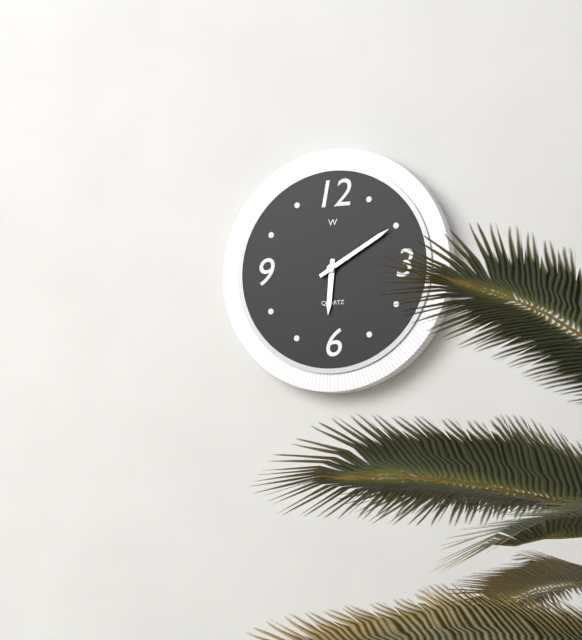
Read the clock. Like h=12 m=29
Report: h=6 m=10
